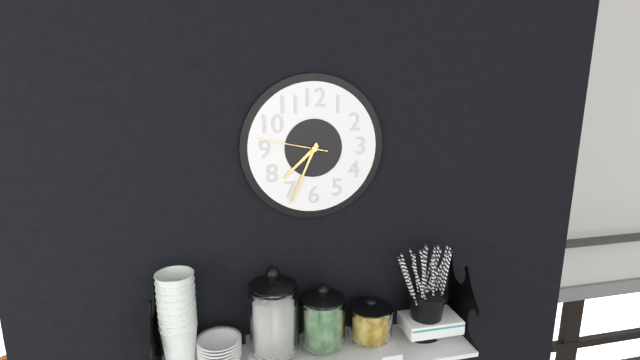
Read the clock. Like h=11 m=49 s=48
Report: h=7 m=34 s=47
